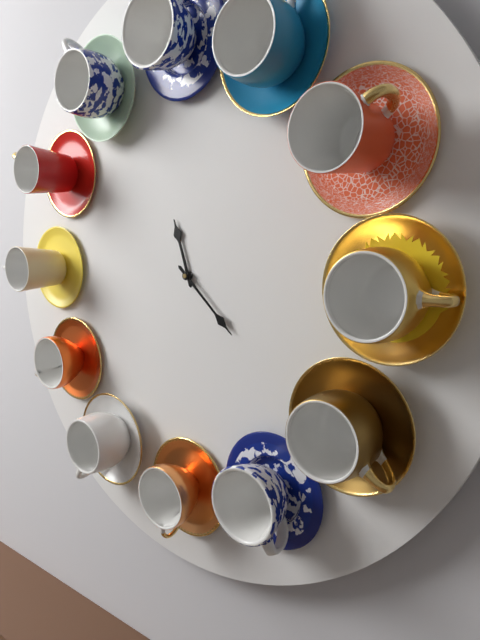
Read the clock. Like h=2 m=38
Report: h=11 m=22
